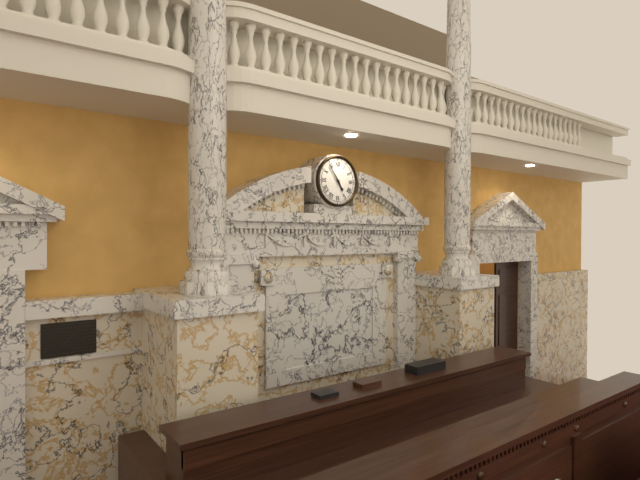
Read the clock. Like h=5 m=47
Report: h=4 m=54
